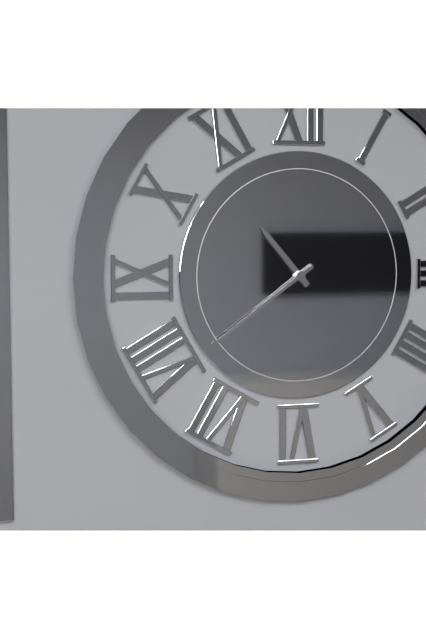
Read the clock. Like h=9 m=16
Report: h=10 m=39
